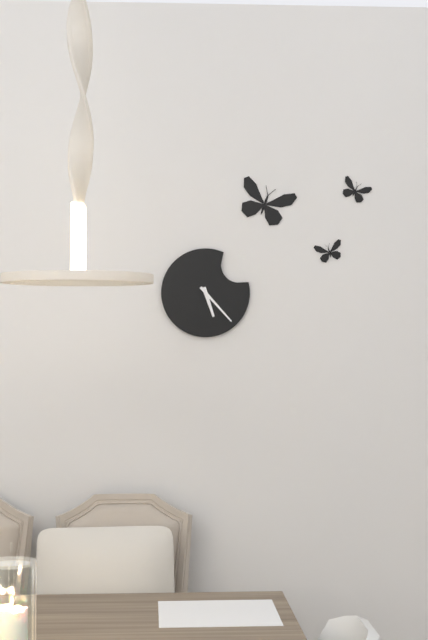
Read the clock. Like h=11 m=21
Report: h=5 m=23
